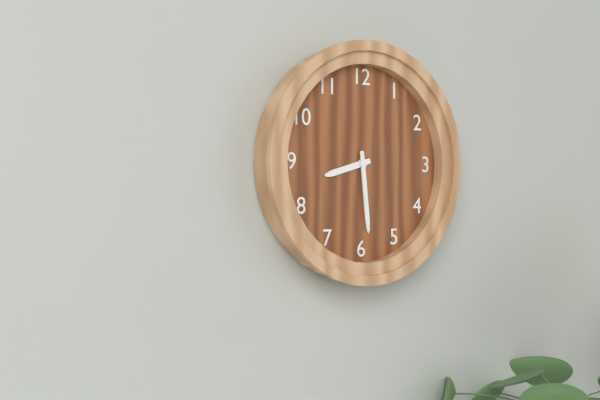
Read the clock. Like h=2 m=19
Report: h=8 m=29
